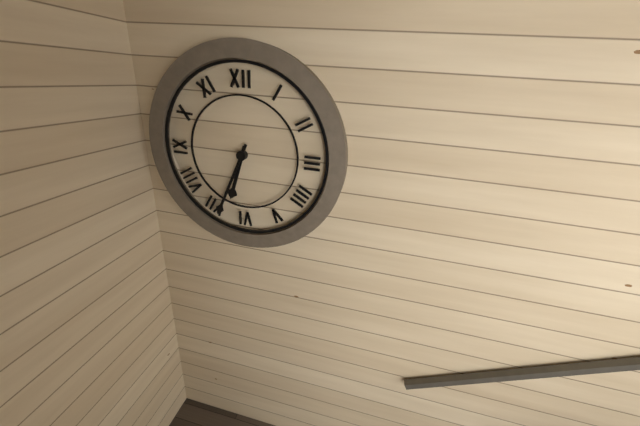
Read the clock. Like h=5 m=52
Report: h=6 m=34
